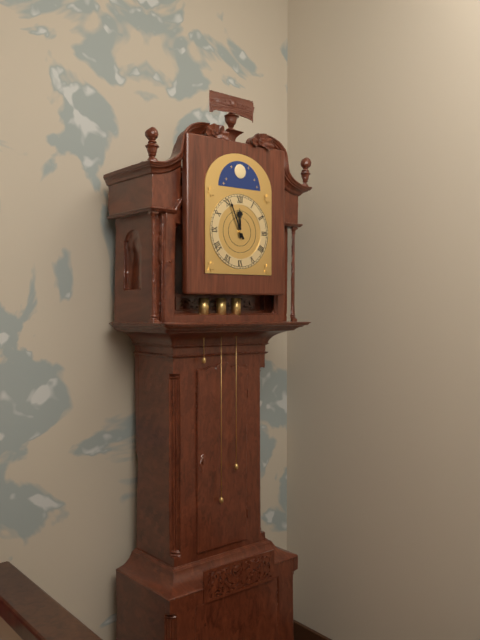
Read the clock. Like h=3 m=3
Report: h=11 m=56
